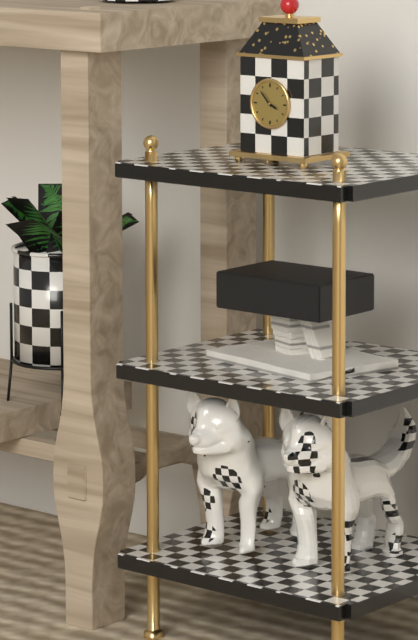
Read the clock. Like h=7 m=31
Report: h=3 m=53
